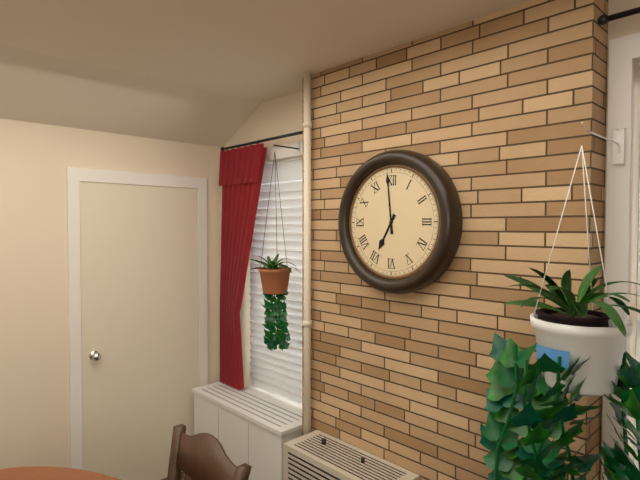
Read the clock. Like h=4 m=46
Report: h=6 m=59
